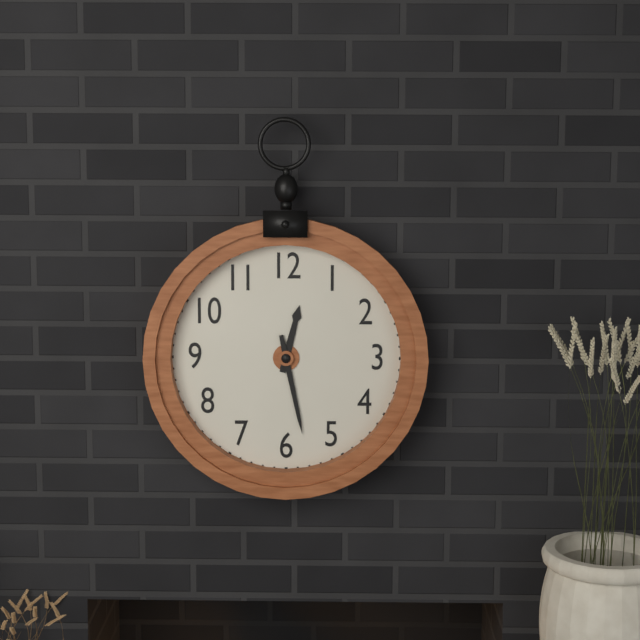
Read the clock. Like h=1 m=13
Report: h=12 m=28
